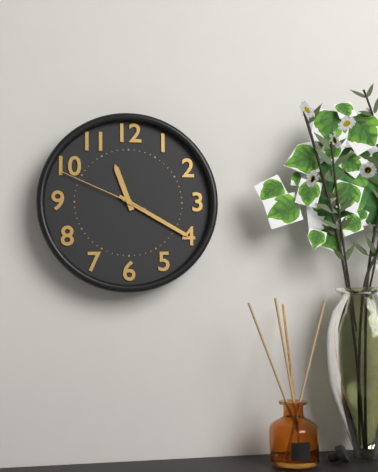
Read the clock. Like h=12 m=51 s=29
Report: h=11 m=20 s=49
